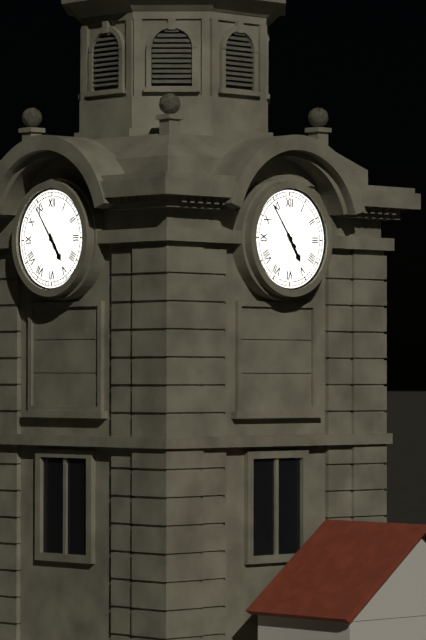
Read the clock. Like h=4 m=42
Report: h=4 m=54
